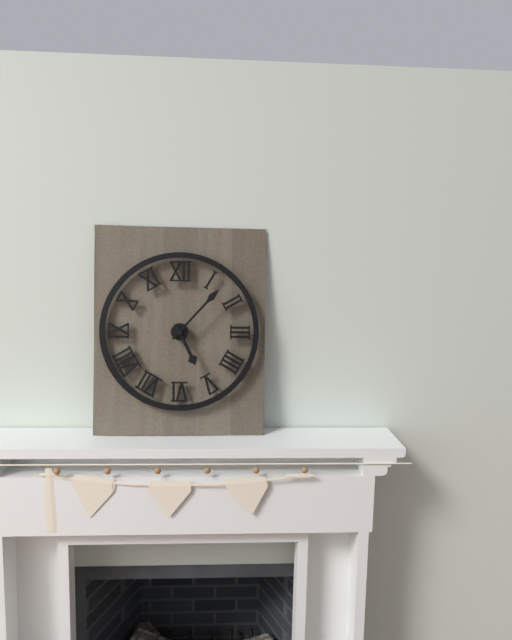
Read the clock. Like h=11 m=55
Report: h=5 m=7
